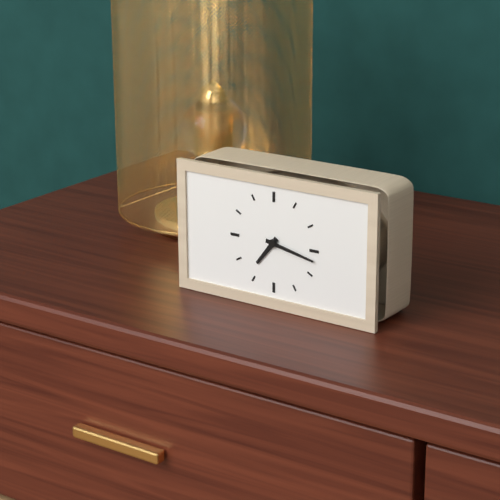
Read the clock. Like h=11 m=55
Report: h=7 m=17
